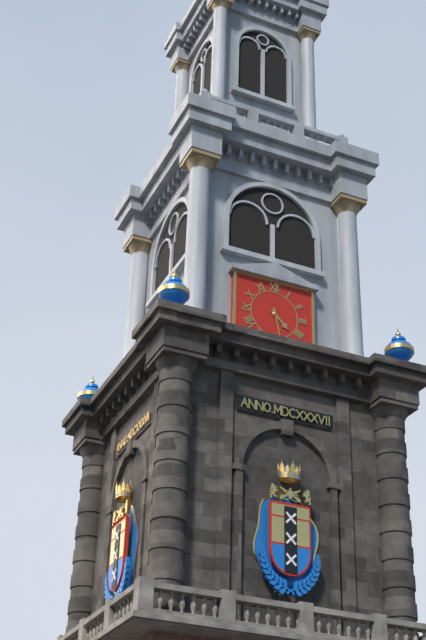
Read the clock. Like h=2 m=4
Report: h=4 m=28
